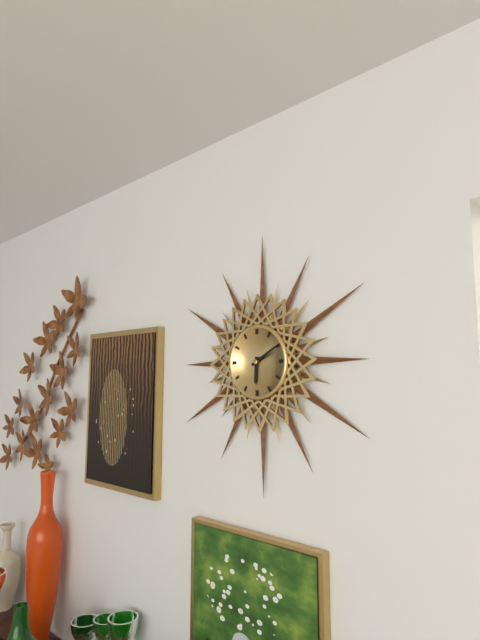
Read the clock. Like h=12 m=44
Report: h=6 m=10
